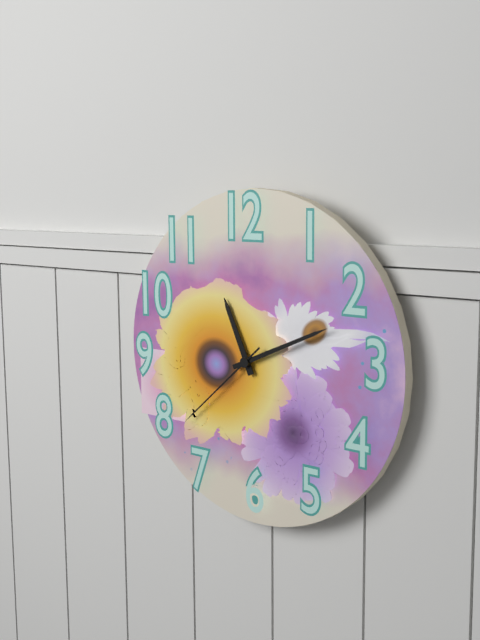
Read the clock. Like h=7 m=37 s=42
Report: h=11 m=11 s=38
